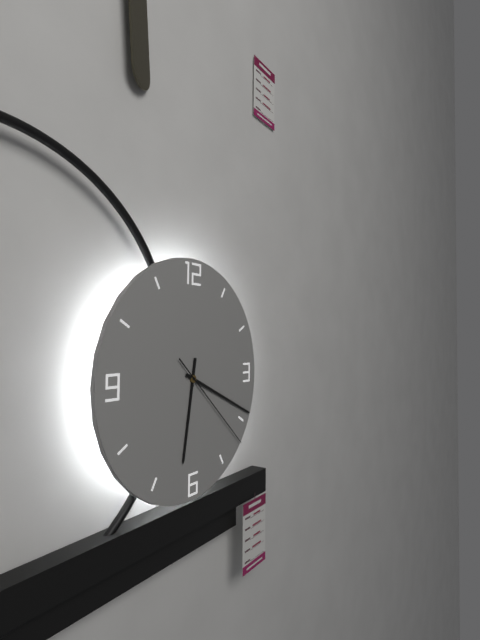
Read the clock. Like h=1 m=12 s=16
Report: h=6 m=19 s=22
